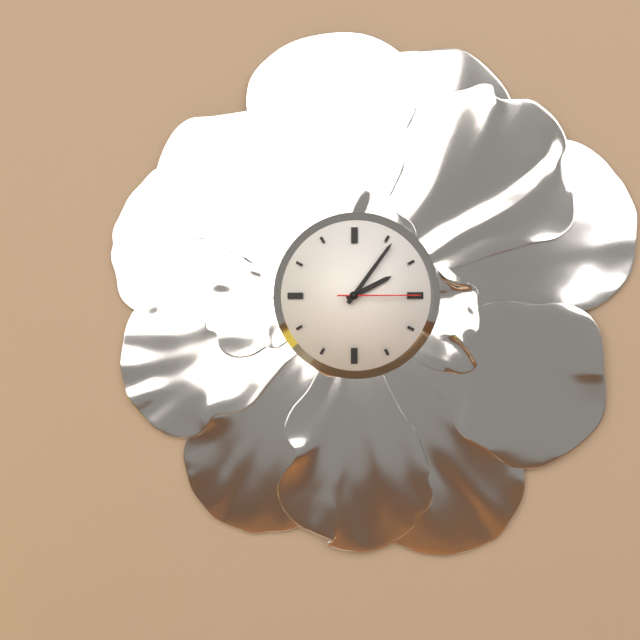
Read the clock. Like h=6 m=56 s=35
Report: h=2 m=6 s=15
